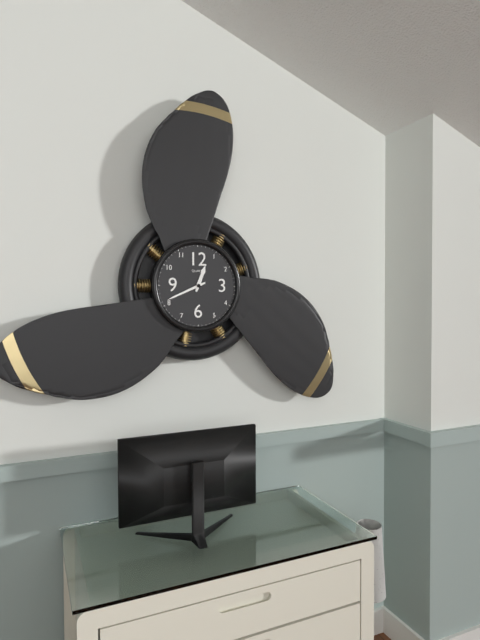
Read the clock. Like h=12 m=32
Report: h=12 m=41
